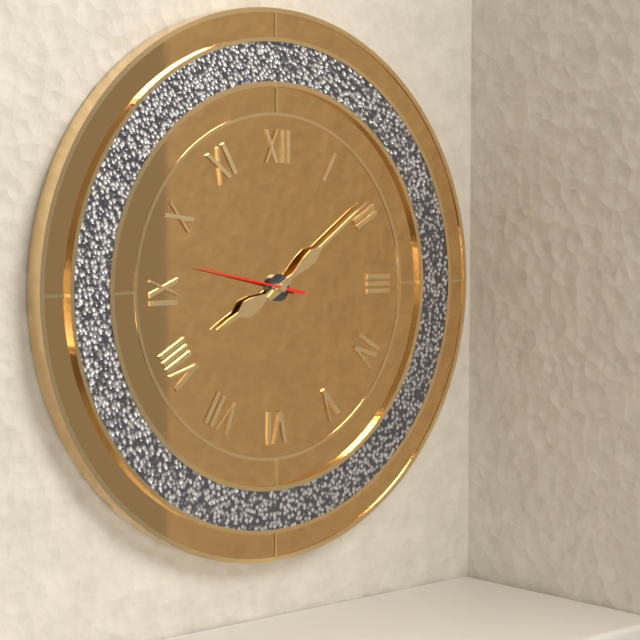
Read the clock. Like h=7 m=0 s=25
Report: h=8 m=9 s=47
